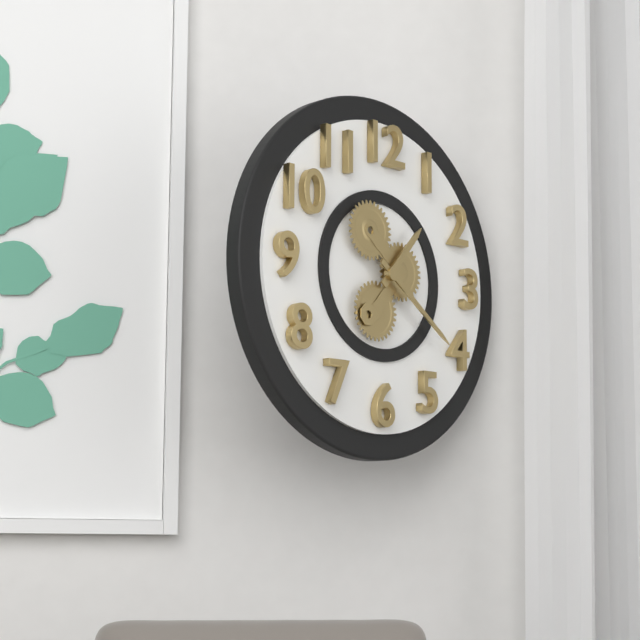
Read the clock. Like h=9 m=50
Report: h=1 m=21
